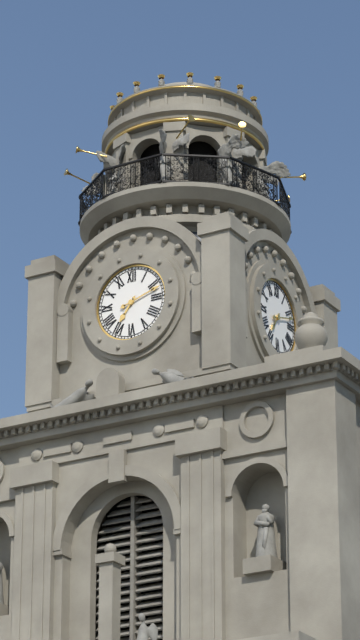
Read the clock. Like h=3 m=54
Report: h=7 m=12
